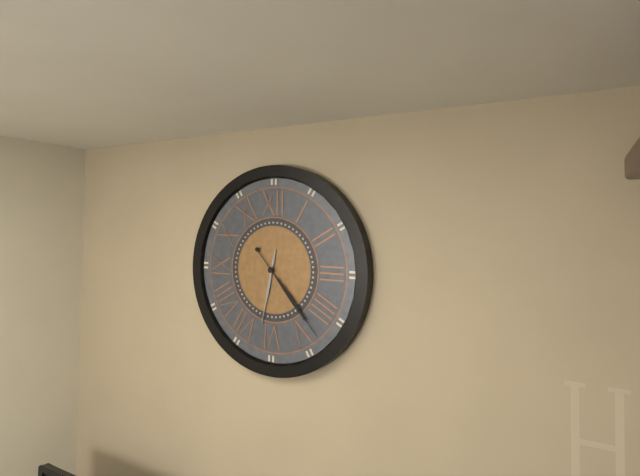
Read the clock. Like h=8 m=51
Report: h=6 m=23
